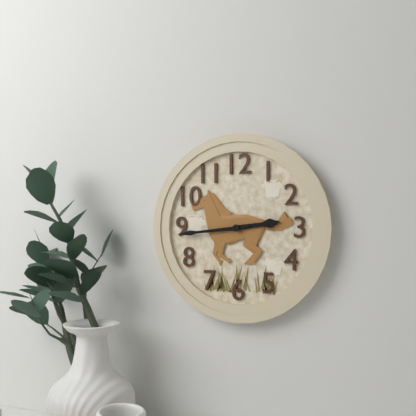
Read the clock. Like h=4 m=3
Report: h=2 m=44
